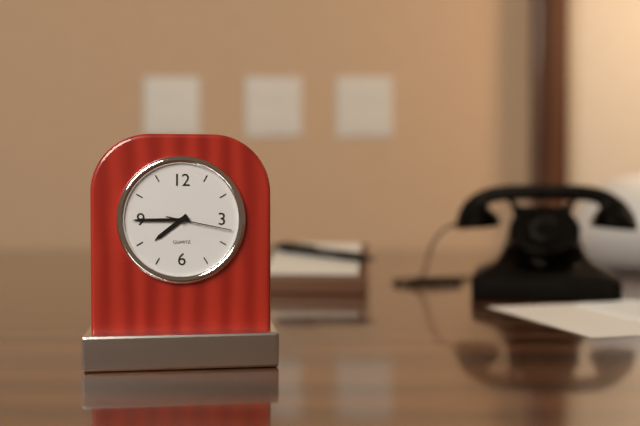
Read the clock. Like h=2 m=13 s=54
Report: h=7 m=45 s=17
